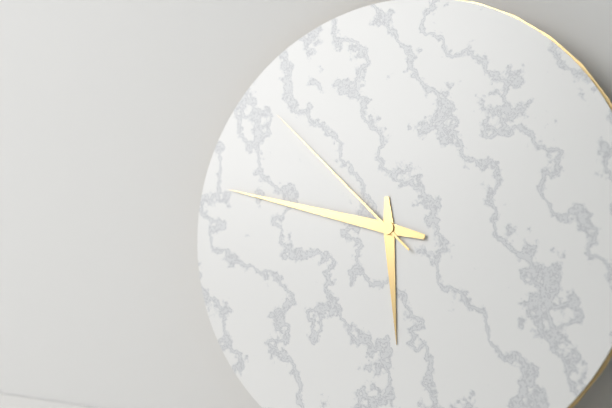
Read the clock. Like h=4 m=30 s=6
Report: h=5 m=47 s=52
